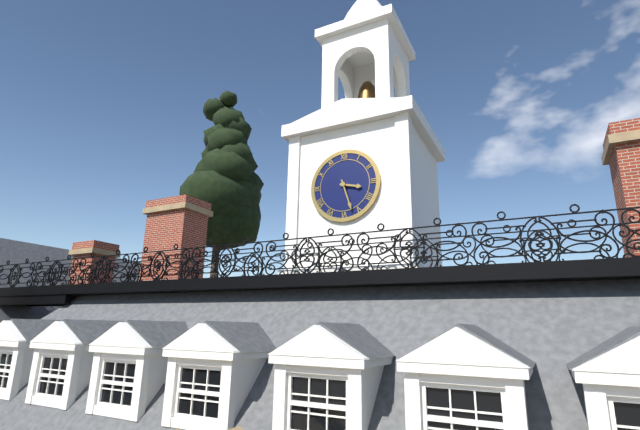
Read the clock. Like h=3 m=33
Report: h=3 m=27
